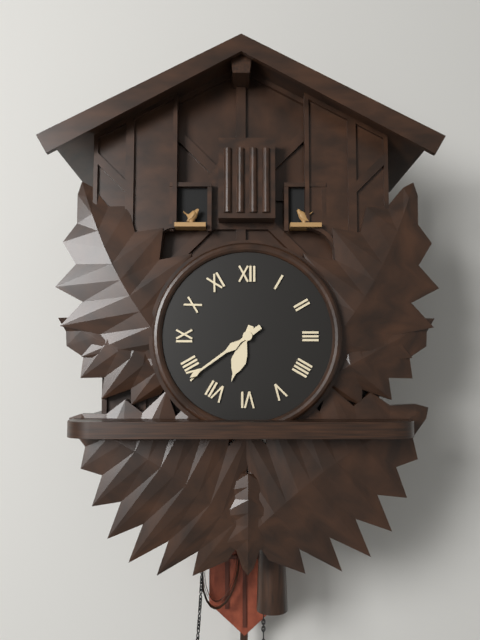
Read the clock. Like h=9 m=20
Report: h=6 m=39
